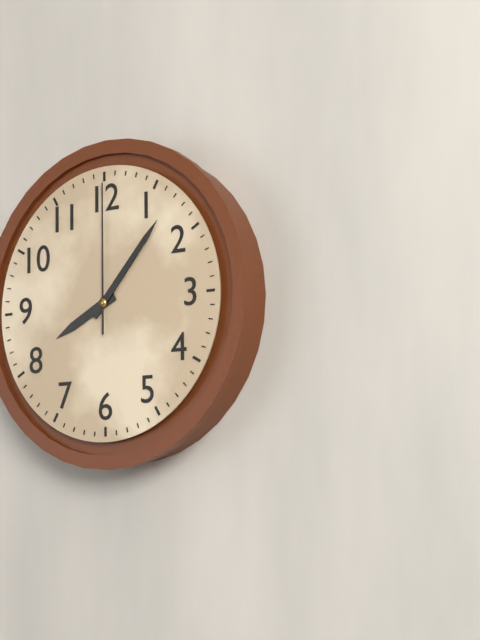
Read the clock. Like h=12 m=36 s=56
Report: h=8 m=7 s=0
